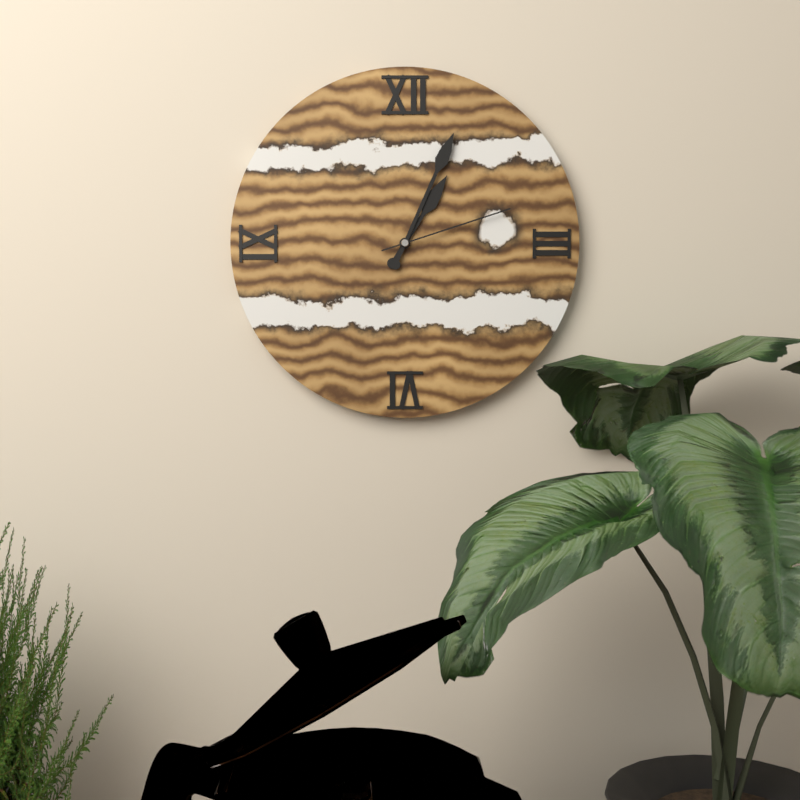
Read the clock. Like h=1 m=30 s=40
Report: h=1 m=4 s=12
